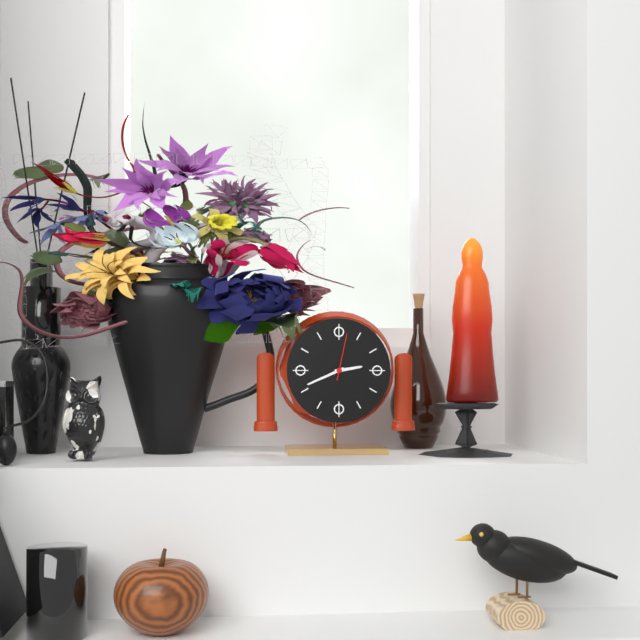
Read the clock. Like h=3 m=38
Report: h=2 m=41
